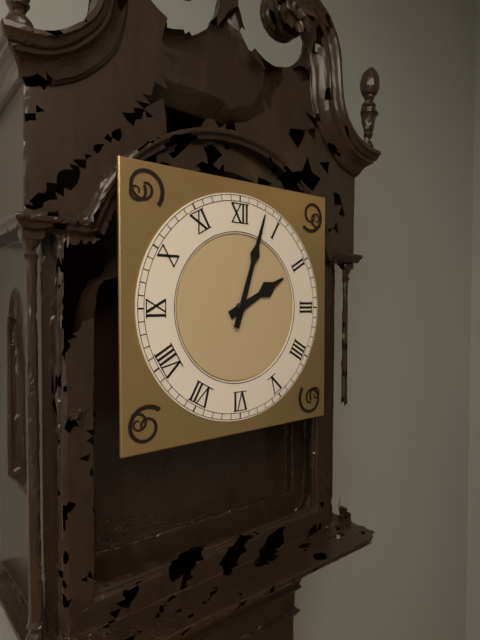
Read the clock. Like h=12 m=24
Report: h=2 m=3
